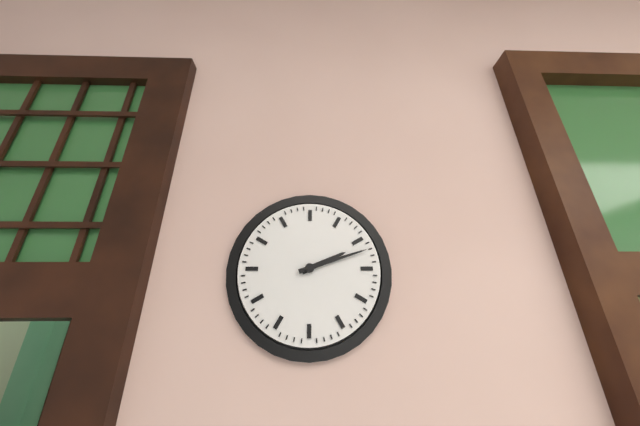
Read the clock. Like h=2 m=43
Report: h=2 m=12
